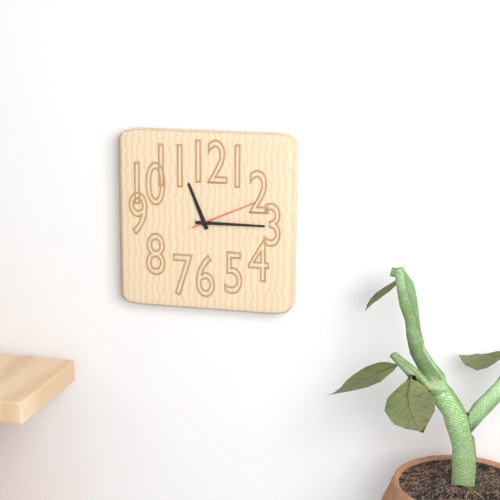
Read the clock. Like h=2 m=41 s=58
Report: h=11 m=15 s=11
